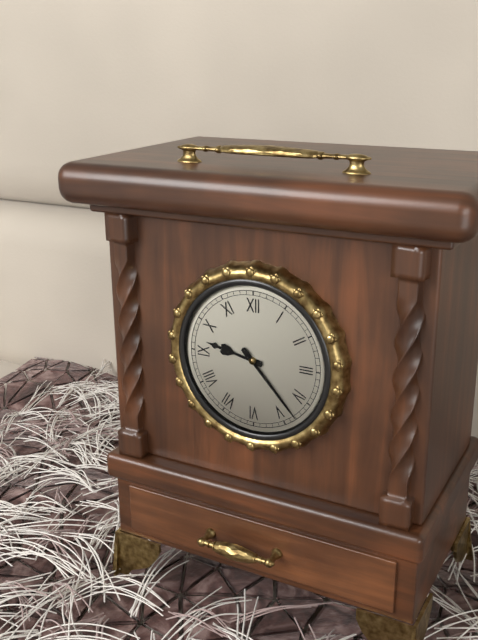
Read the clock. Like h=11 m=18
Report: h=9 m=23
